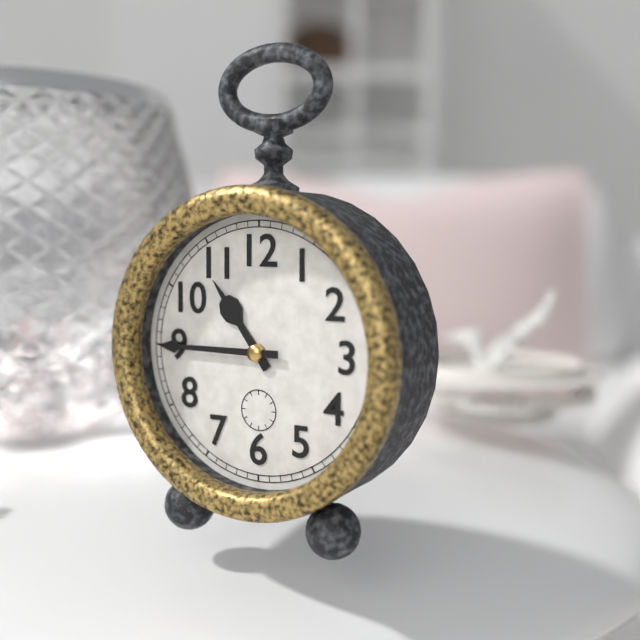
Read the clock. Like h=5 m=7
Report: h=10 m=45
